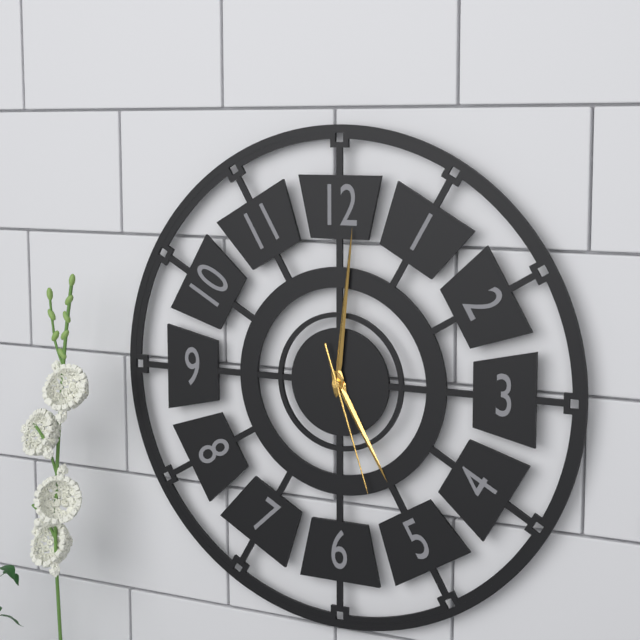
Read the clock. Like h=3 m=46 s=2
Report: h=5 m=1 s=27
